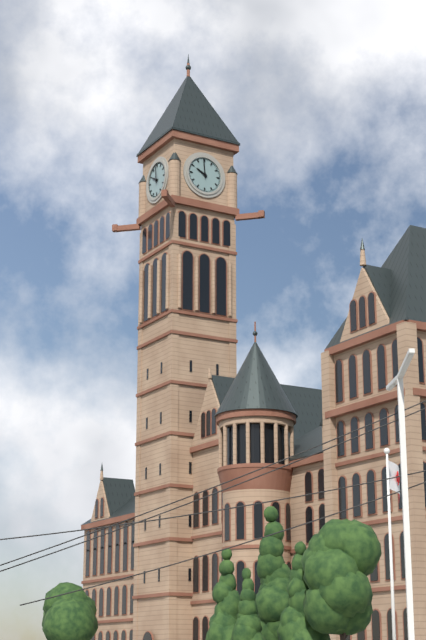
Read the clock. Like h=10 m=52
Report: h=9 m=59
